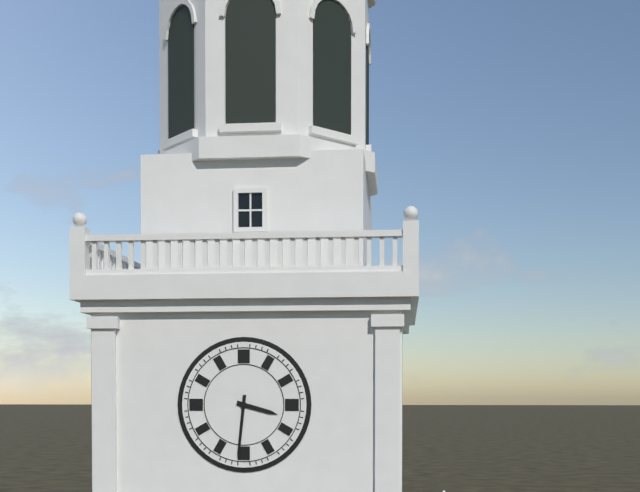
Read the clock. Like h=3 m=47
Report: h=3 m=31
